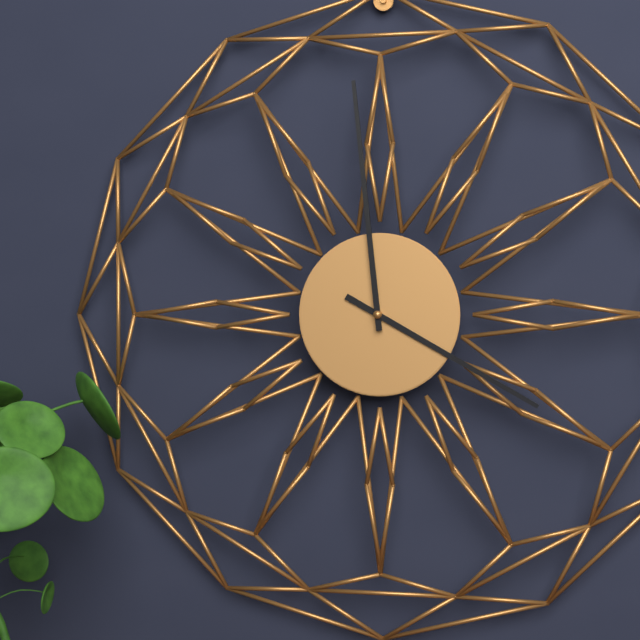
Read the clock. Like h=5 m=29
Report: h=3 m=59
